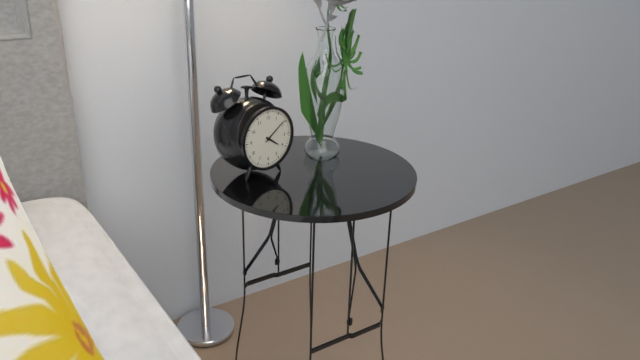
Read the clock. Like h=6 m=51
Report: h=4 m=9
